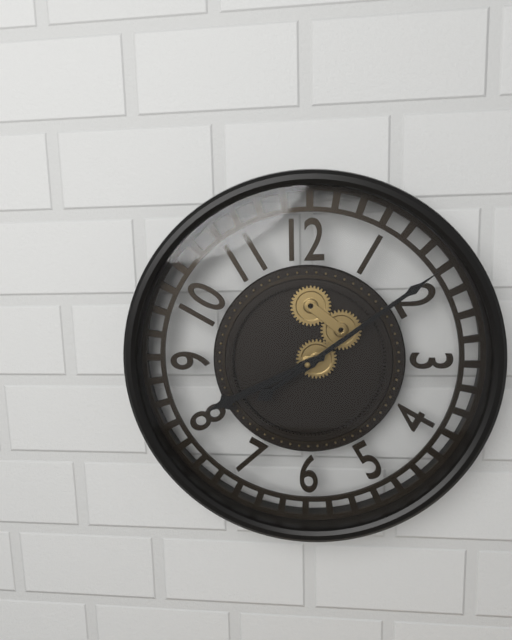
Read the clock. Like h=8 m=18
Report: h=8 m=9
